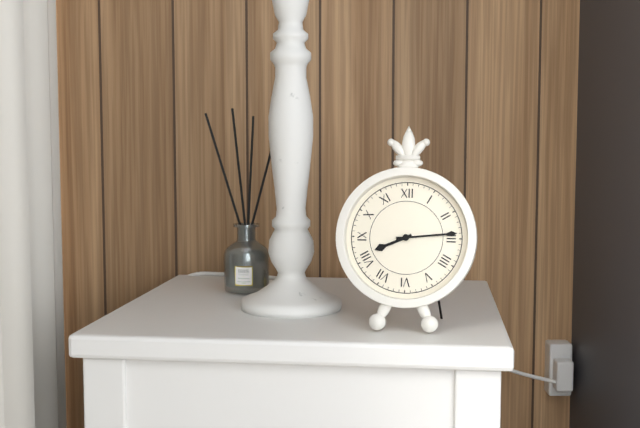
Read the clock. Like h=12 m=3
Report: h=8 m=14
